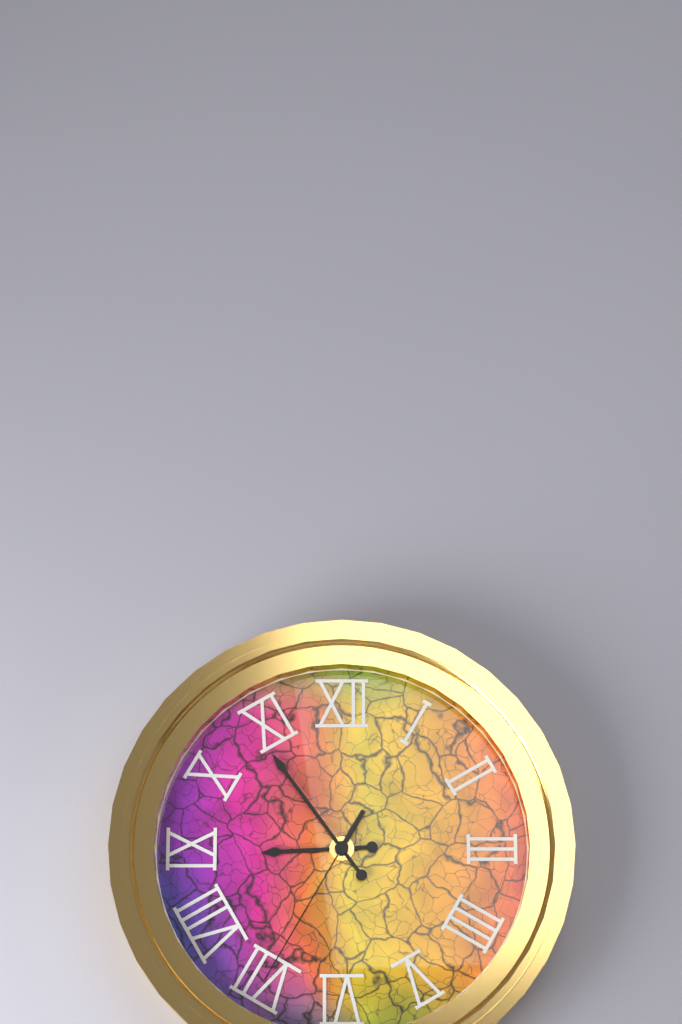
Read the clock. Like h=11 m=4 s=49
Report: h=8 m=54 s=35
